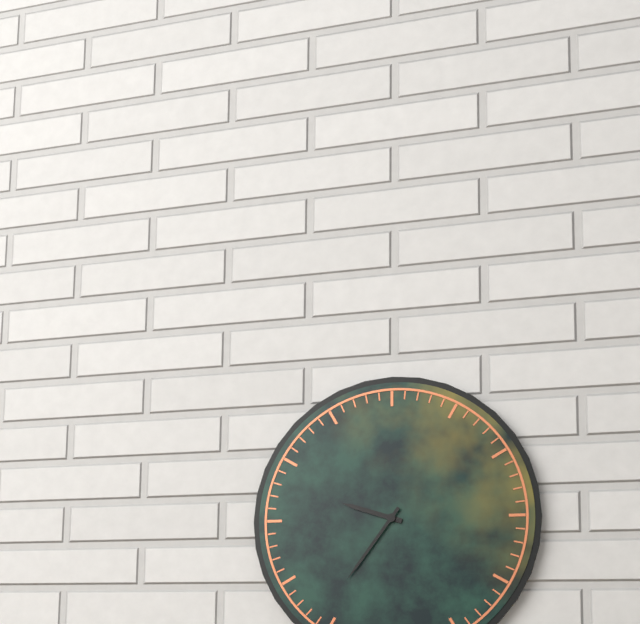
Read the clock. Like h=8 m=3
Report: h=9 m=36
